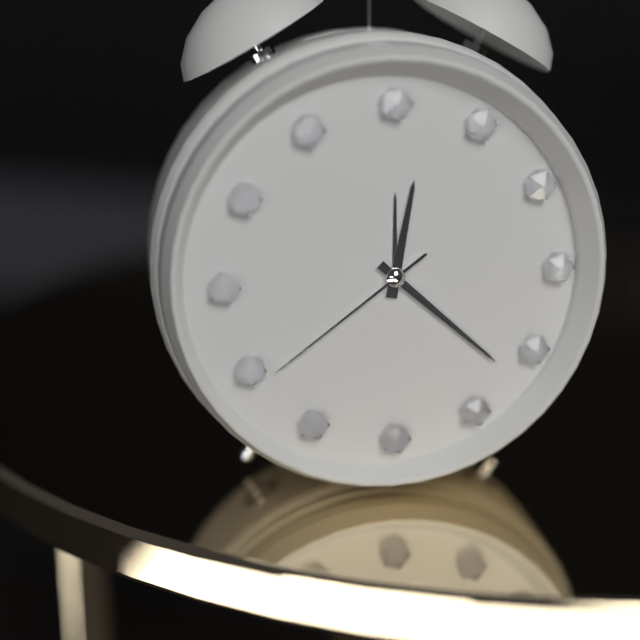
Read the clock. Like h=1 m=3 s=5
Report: h=12 m=22 s=39
